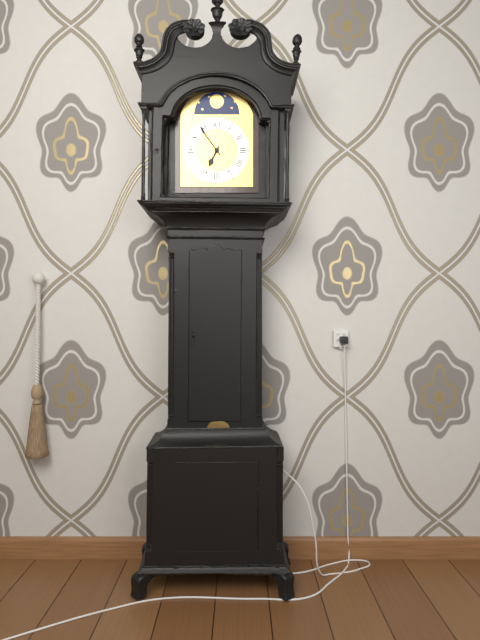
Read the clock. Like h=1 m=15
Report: h=6 m=54
